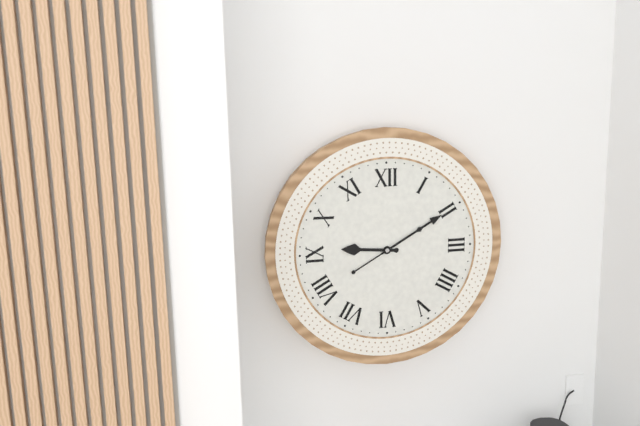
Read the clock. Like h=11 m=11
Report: h=9 m=10
